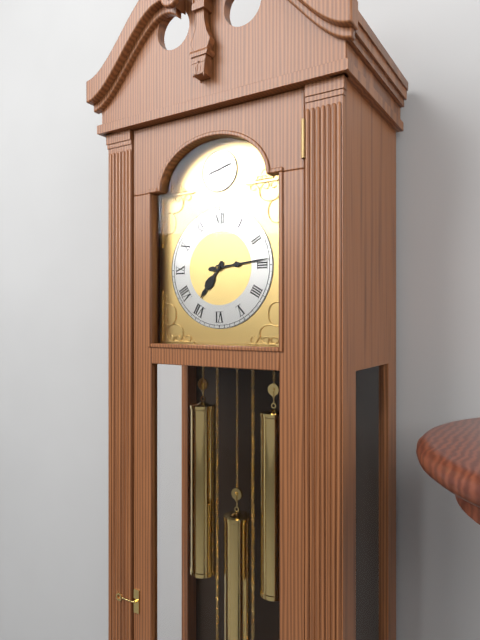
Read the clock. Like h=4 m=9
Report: h=7 m=14
